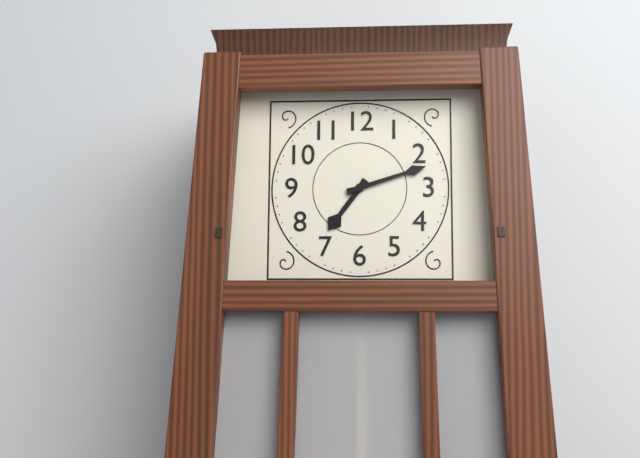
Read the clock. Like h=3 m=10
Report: h=7 m=12
